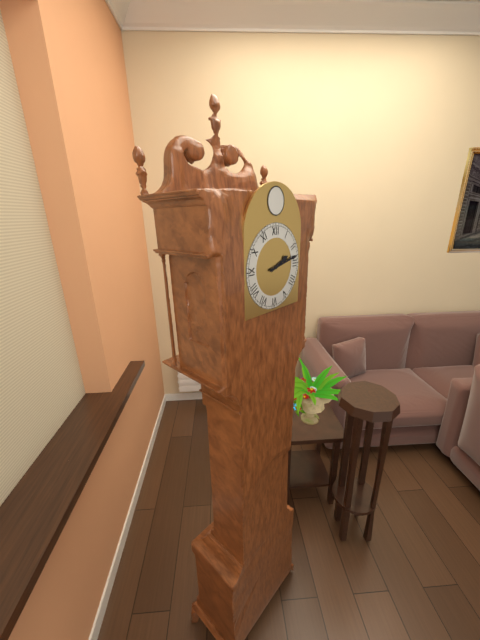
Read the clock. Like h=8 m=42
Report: h=2 m=13
